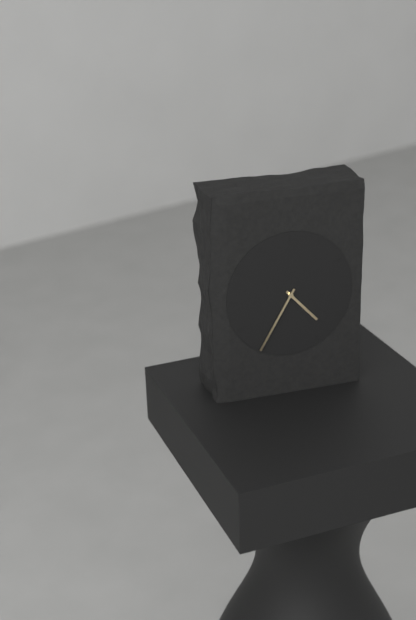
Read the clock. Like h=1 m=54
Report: h=4 m=35
